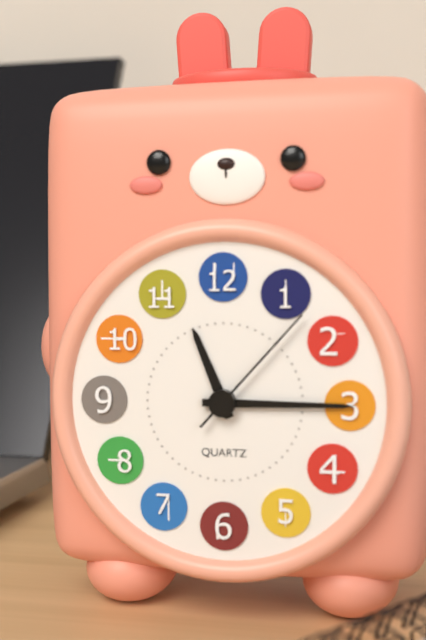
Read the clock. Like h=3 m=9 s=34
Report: h=11 m=15 s=7
